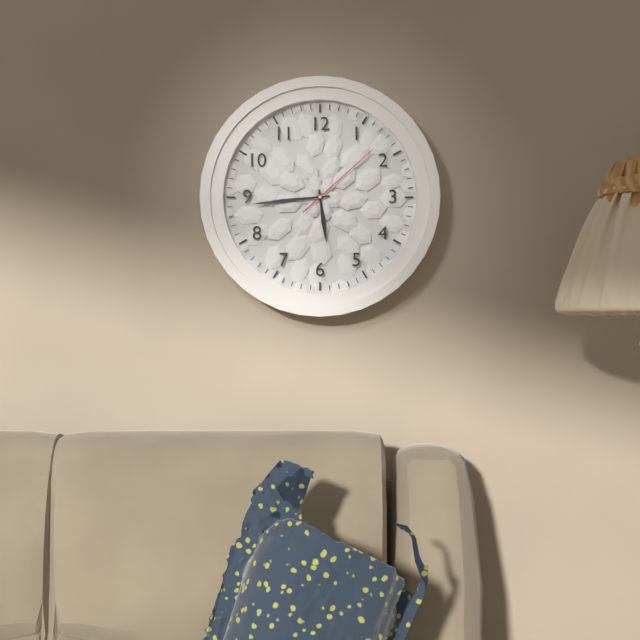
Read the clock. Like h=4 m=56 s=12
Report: h=5 m=44 s=8
